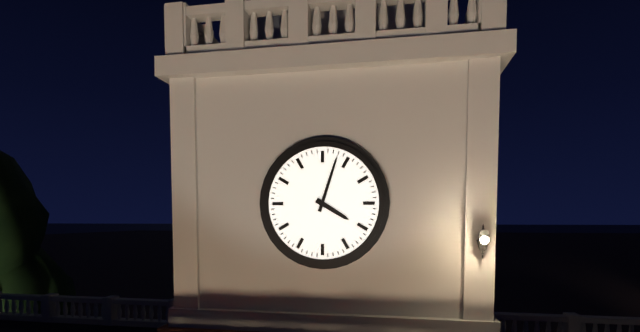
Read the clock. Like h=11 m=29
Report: h=4 m=3
